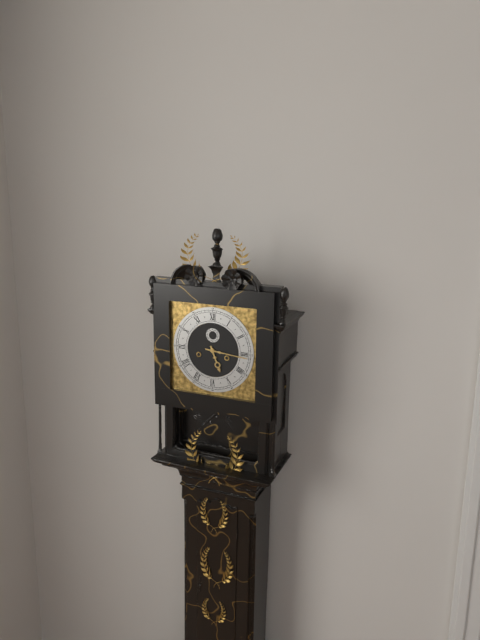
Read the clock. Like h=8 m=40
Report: h=5 m=16
